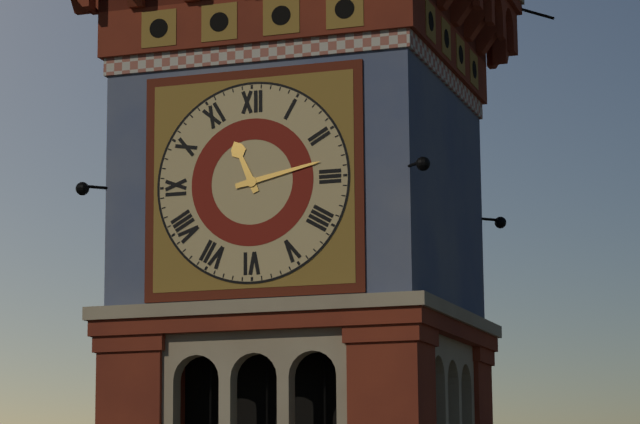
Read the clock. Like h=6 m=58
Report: h=11 m=13
